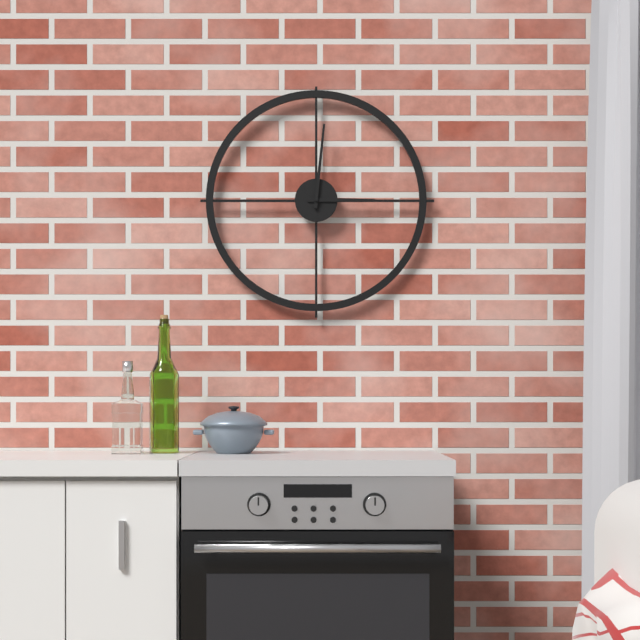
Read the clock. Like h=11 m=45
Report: h=3 m=1
